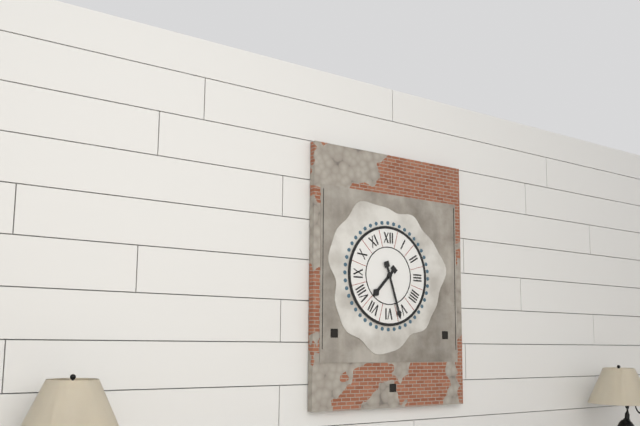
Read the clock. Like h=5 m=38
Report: h=7 m=27
